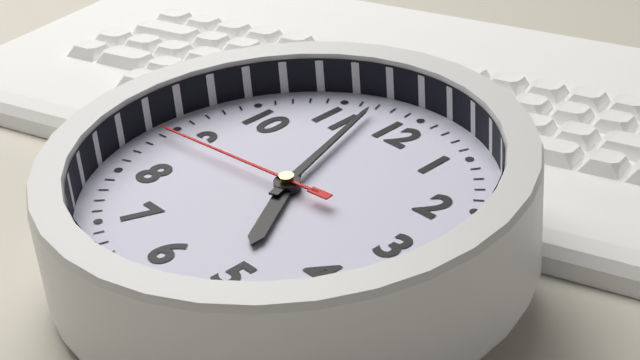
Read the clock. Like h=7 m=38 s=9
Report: h=4 m=57 s=44
